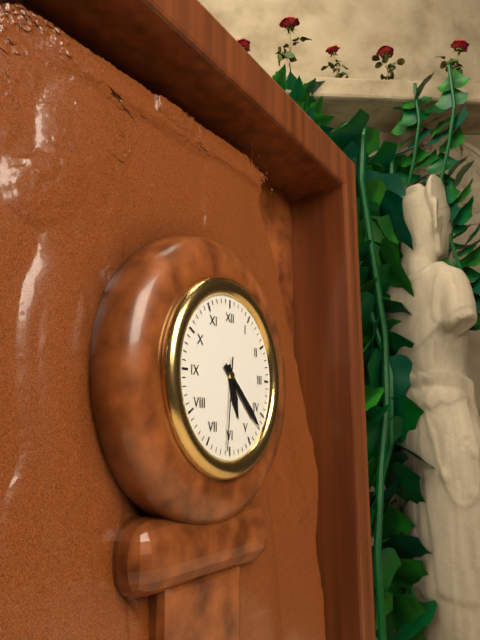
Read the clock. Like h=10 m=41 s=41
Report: h=5 m=22 s=31
